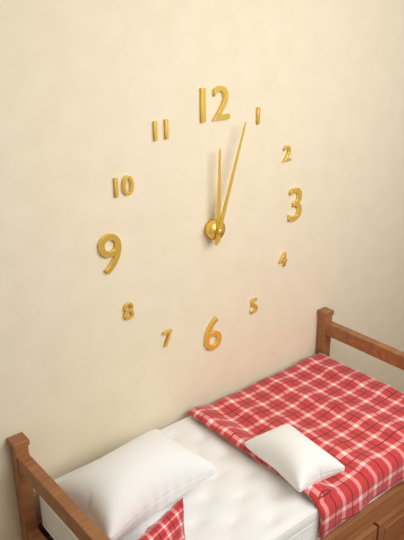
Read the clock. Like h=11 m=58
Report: h=12 m=3
